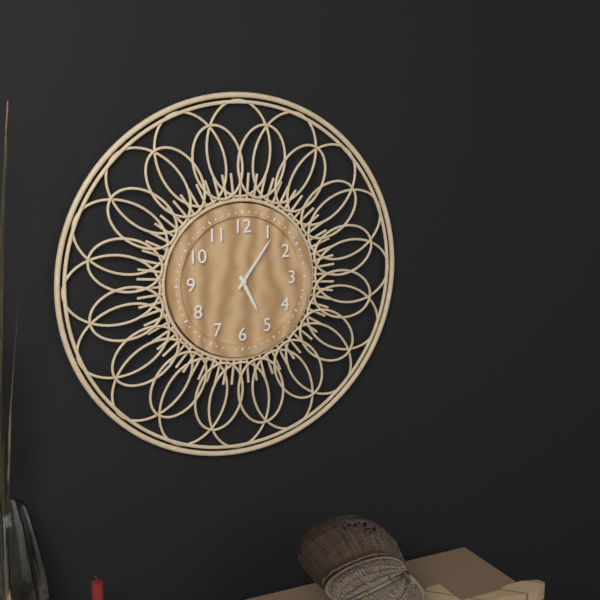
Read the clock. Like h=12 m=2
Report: h=5 m=6
